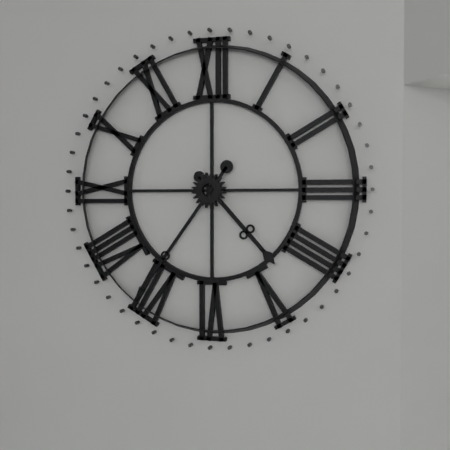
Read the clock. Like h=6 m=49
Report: h=4 m=36
